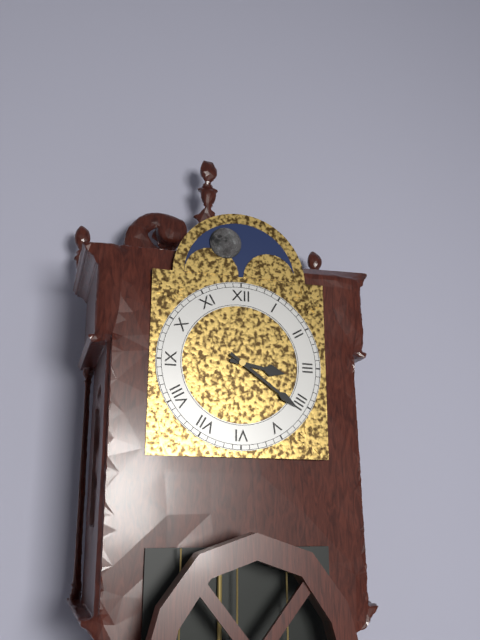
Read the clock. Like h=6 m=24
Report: h=3 m=21
